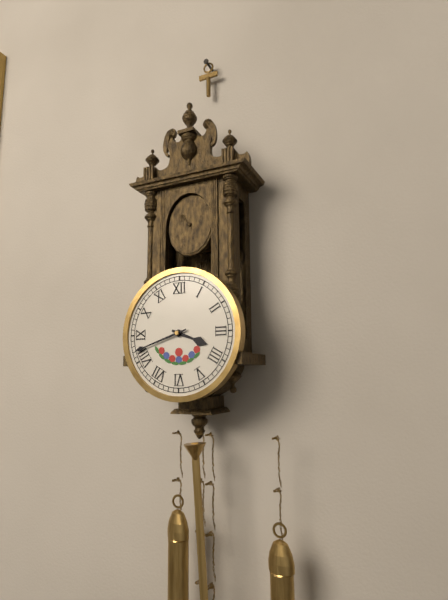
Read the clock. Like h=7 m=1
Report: h=3 m=42
